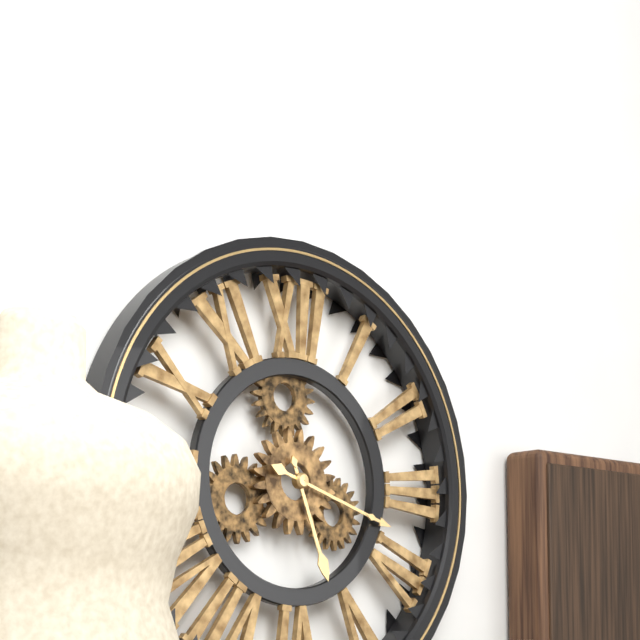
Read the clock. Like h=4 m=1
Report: h=5 m=18
